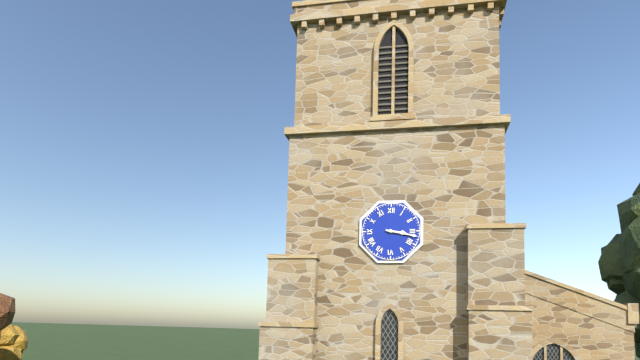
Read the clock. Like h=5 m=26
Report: h=3 m=17
